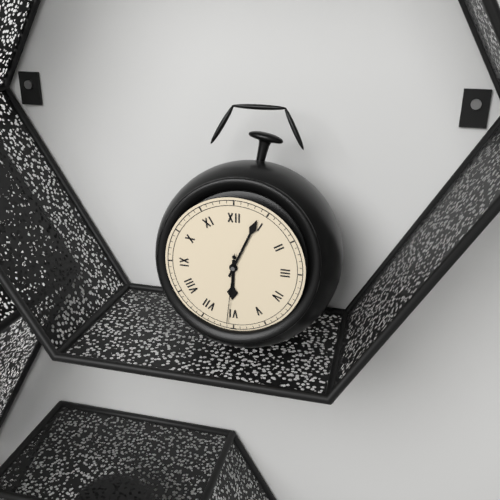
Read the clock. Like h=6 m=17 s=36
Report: h=6 m=4 s=31
